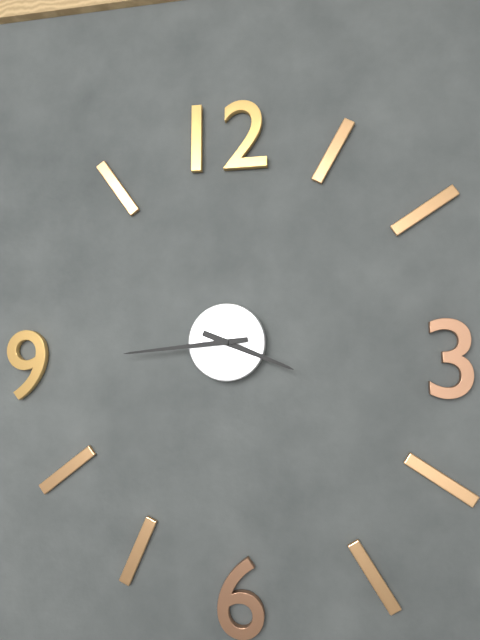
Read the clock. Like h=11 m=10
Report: h=3 m=44
